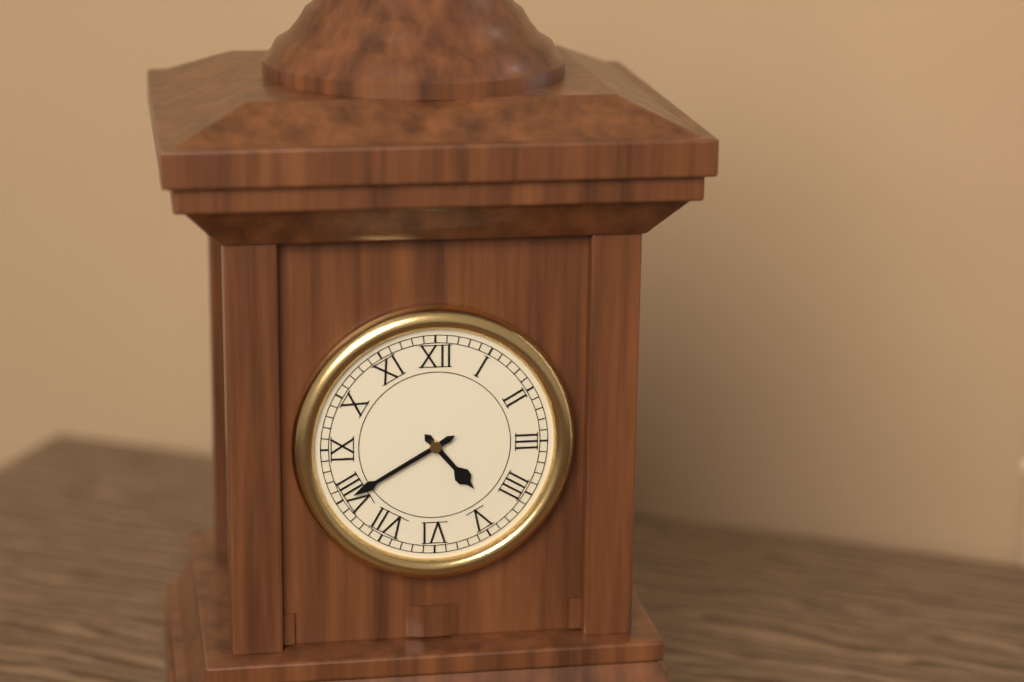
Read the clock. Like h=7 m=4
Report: h=4 m=40
